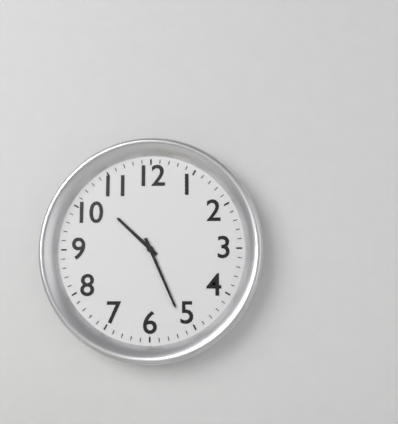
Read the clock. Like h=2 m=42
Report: h=10 m=26
